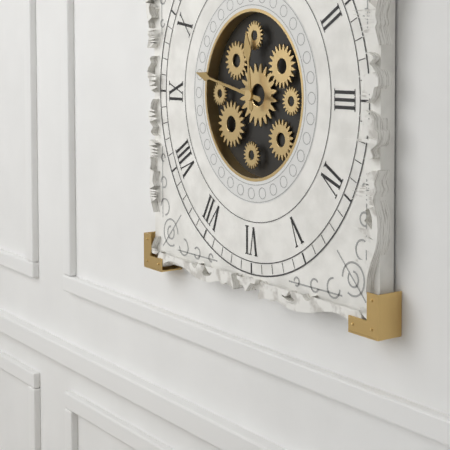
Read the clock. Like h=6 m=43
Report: h=11 m=47
